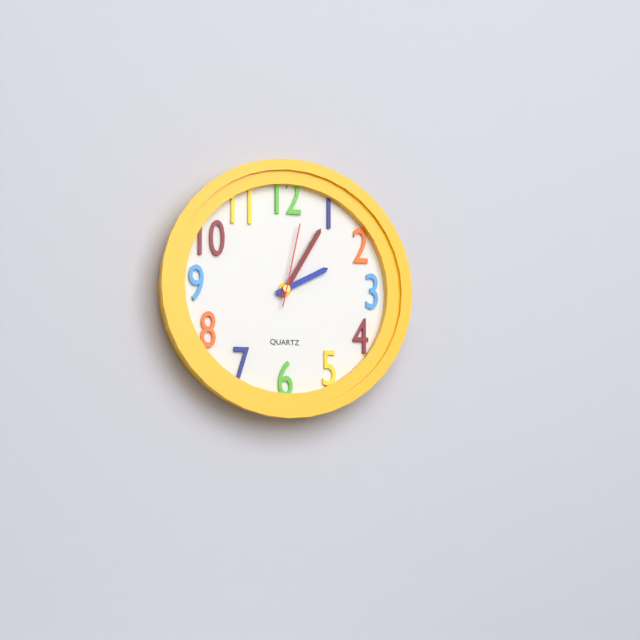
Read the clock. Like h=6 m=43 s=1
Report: h=2 m=5 s=2
